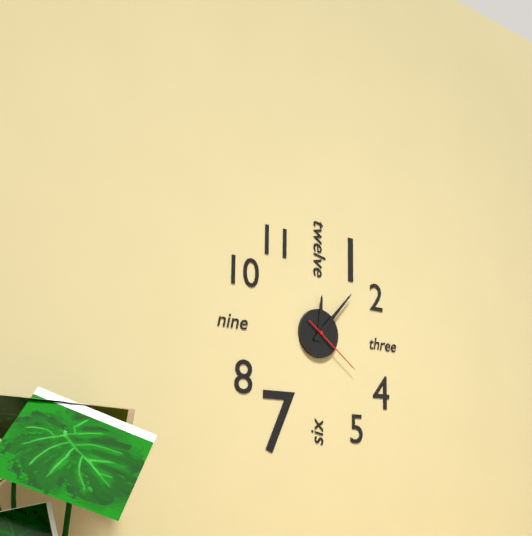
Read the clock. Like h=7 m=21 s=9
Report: h=12 m=7 s=21
